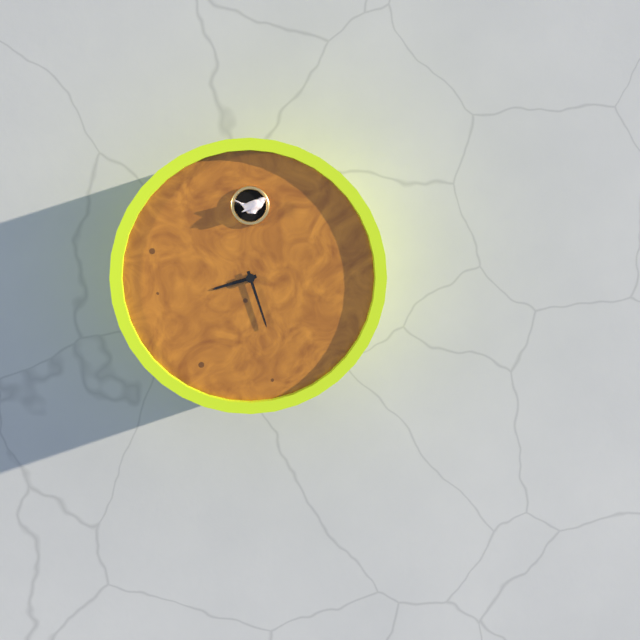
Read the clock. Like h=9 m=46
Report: h=8 m=27
